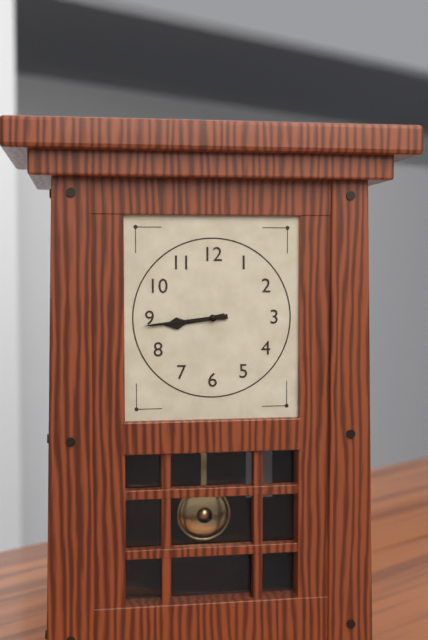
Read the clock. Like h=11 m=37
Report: h=8 m=44
